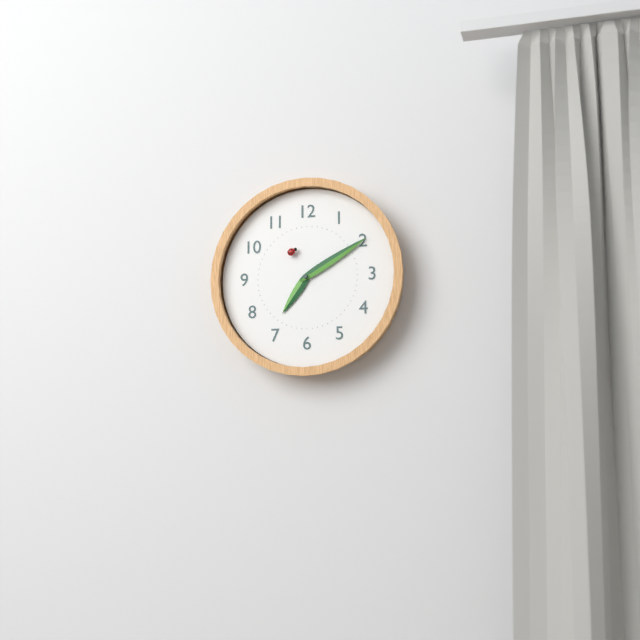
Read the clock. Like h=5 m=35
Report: h=7 m=10
